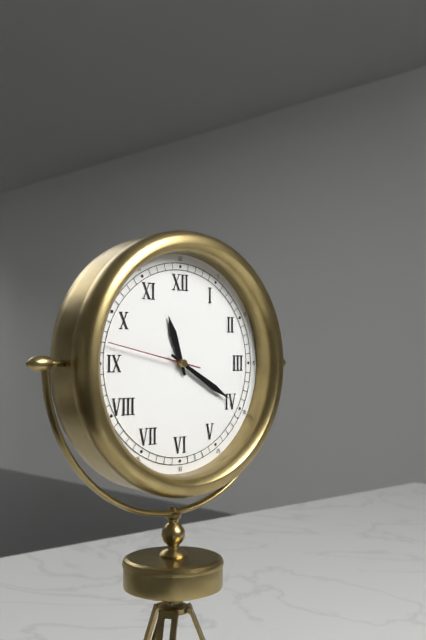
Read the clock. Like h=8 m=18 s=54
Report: h=11 m=20 s=47
